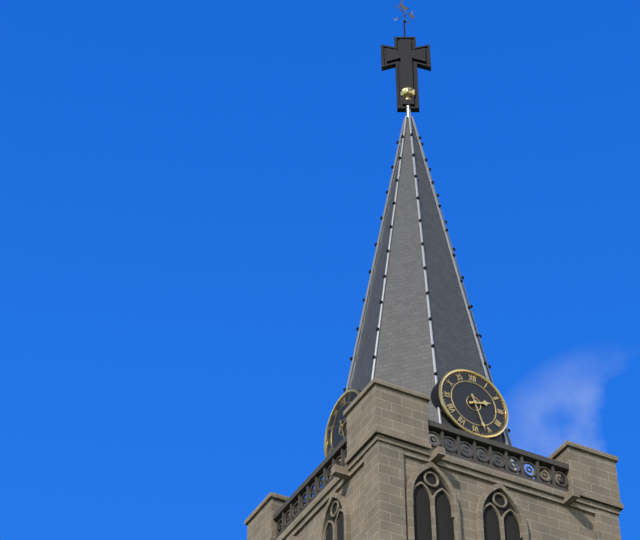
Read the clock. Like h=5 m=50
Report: h=2 m=27
